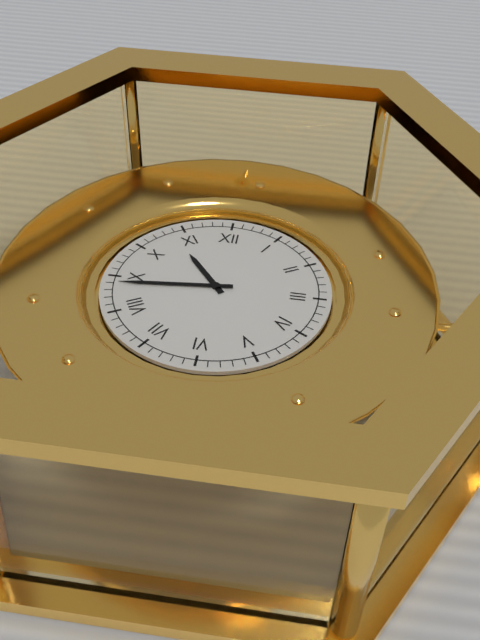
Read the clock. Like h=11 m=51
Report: h=10 m=44
